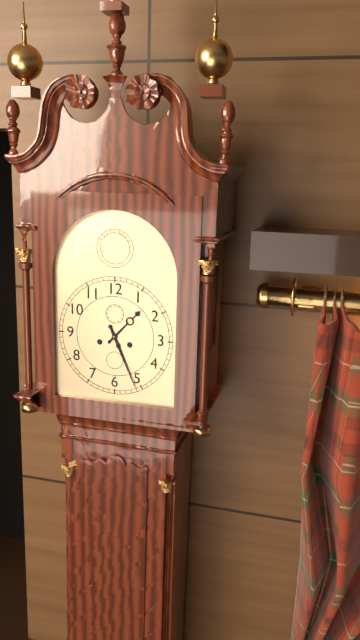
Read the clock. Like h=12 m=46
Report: h=1 m=26
